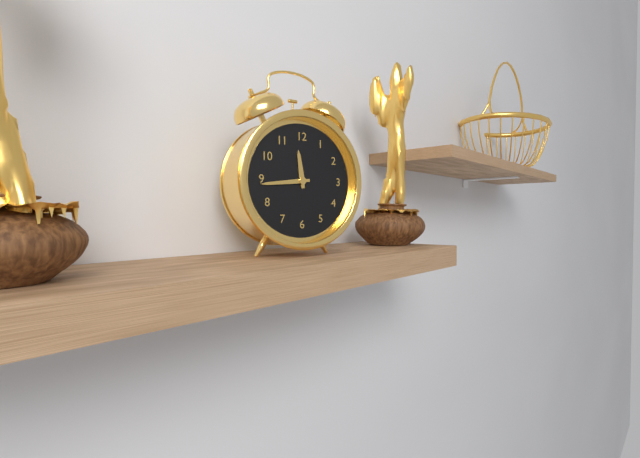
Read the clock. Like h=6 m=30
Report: h=11 m=44
